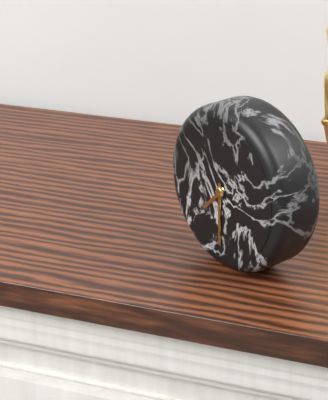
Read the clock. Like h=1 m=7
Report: h=7 m=30
